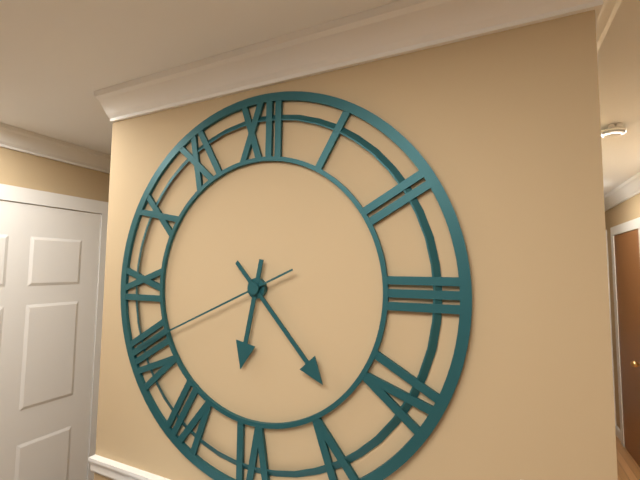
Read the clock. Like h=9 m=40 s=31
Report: h=6 m=23 s=41
